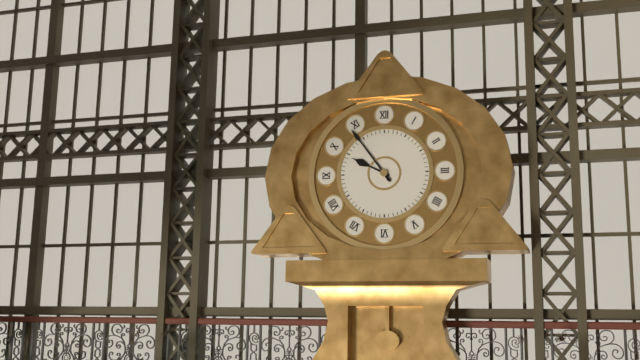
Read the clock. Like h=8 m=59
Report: h=9 m=54
